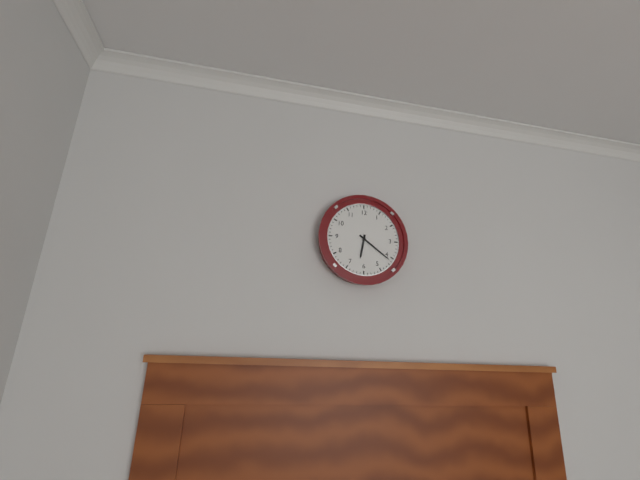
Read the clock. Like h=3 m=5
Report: h=6 m=21
